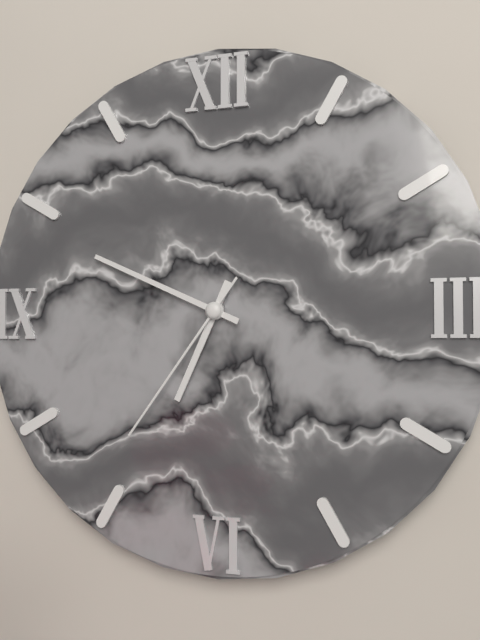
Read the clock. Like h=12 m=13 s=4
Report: h=6 m=49 s=36
